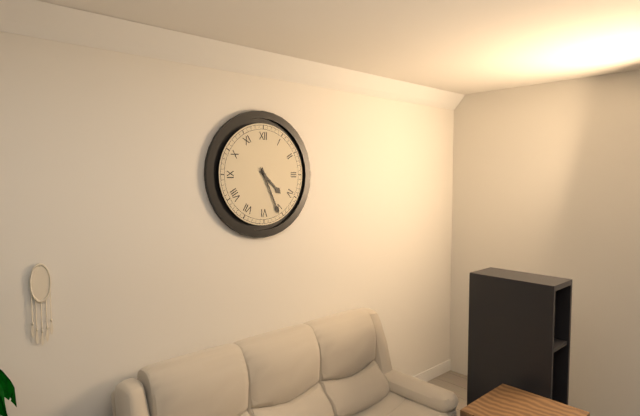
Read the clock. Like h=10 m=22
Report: h=4 m=26
